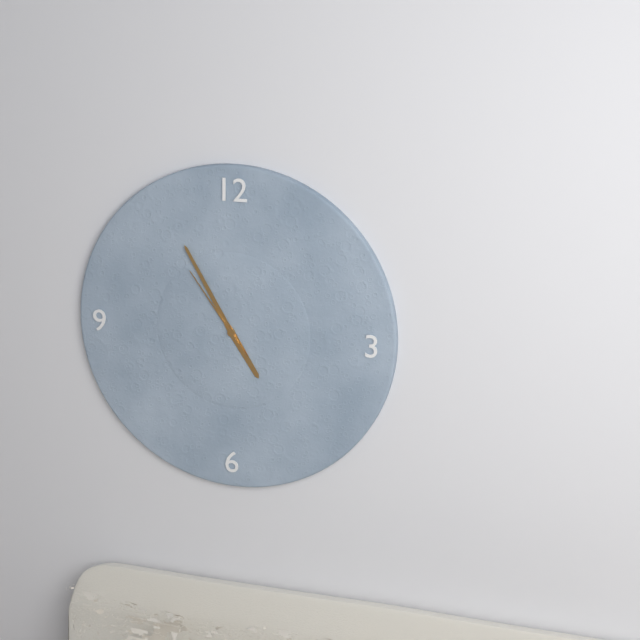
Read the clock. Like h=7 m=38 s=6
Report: h=4 m=55 s=54
